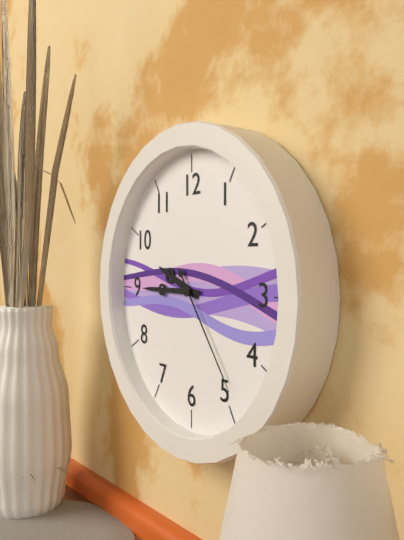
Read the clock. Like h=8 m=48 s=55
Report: h=9 m=45 s=24
